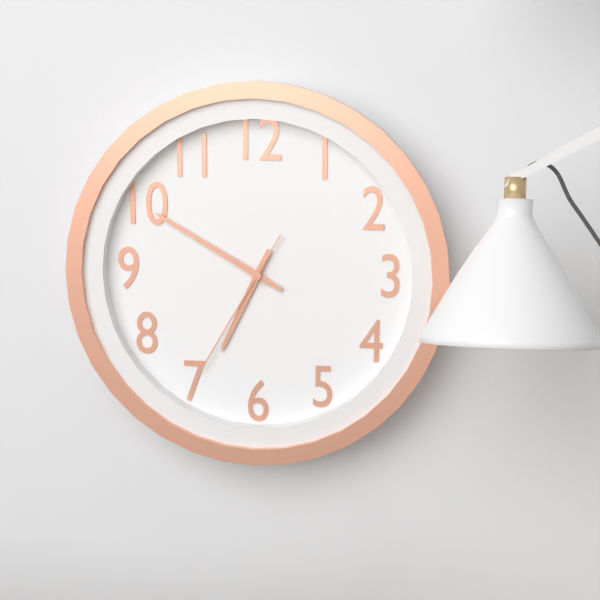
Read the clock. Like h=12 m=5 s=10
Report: h=6 m=50 s=35
